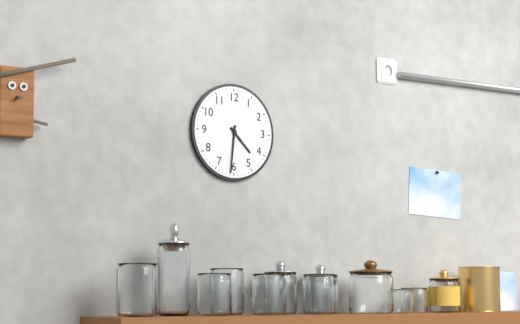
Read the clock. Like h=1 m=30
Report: h=4 m=31
